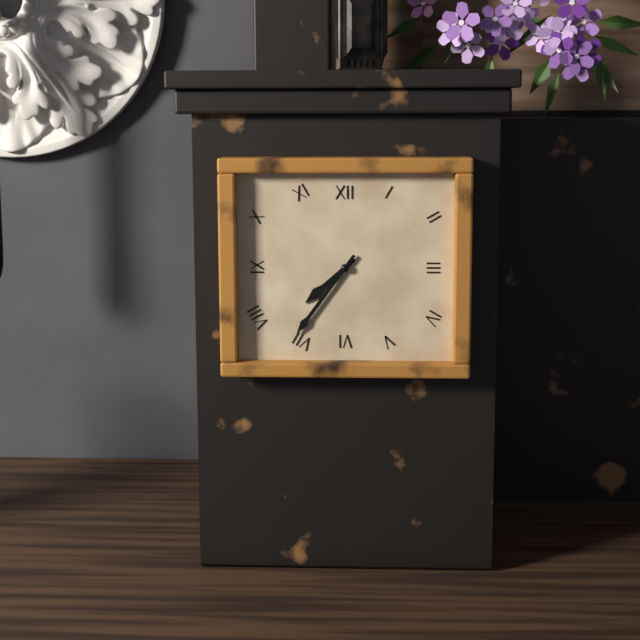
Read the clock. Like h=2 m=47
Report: h=7 m=36
